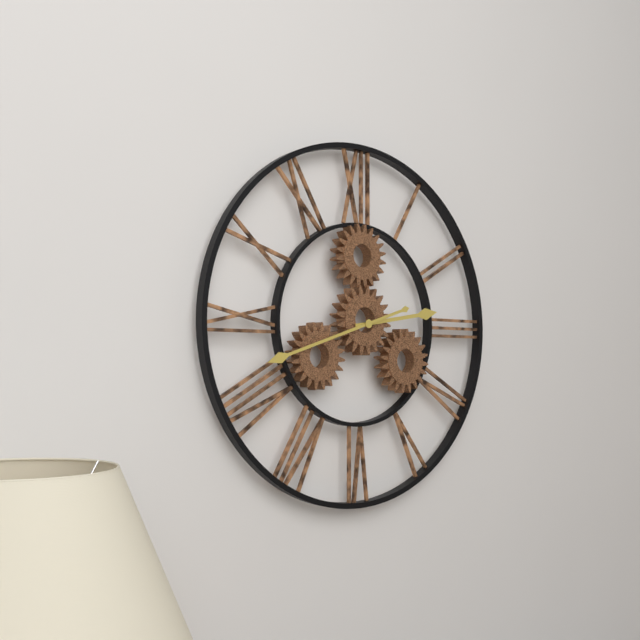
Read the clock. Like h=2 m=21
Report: h=2 m=42
